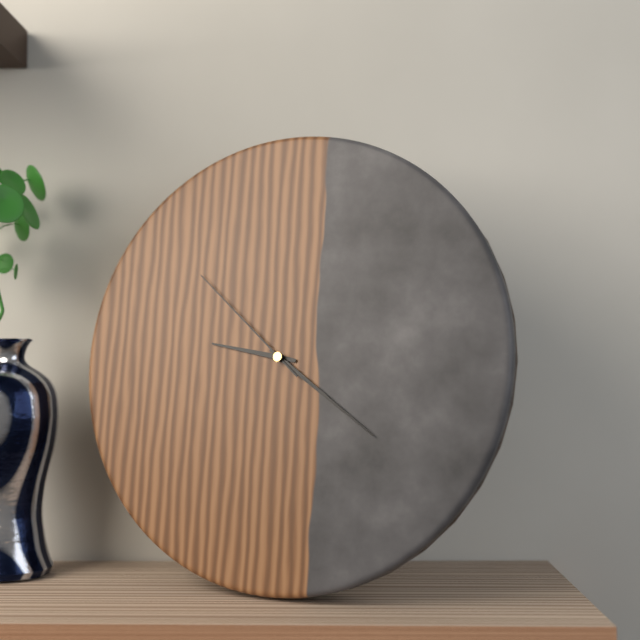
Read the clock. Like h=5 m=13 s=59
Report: h=9 m=21 s=52
